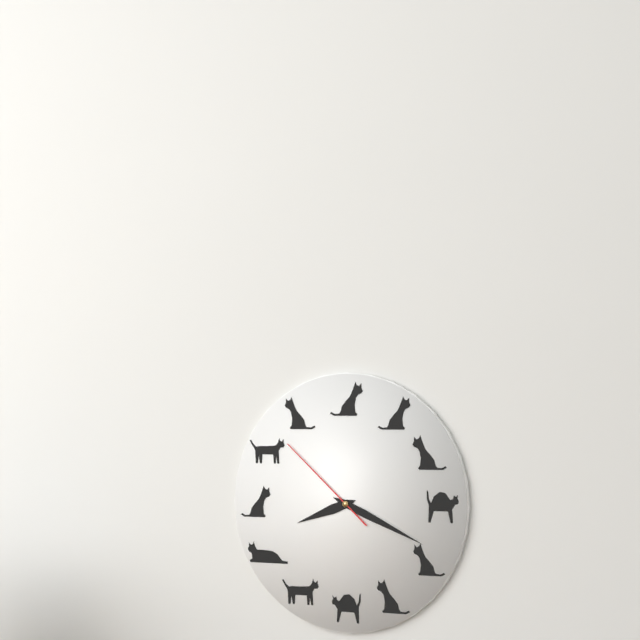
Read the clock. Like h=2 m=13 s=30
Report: h=8 m=19 s=52
